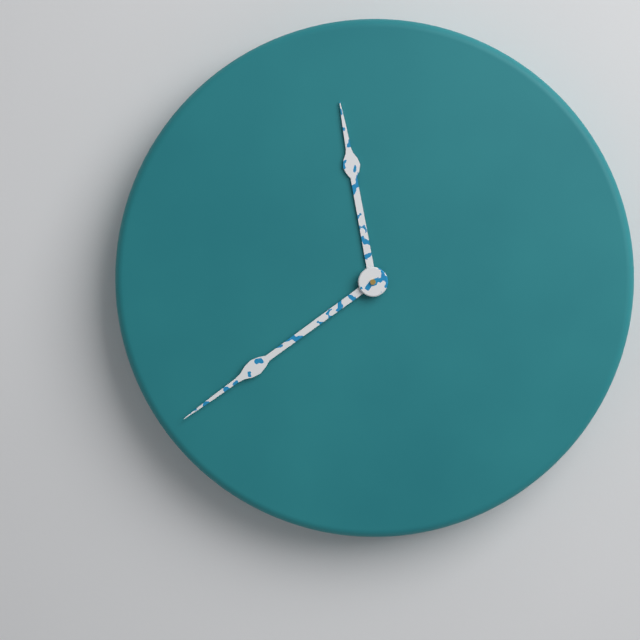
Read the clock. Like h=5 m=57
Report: h=11 m=39
